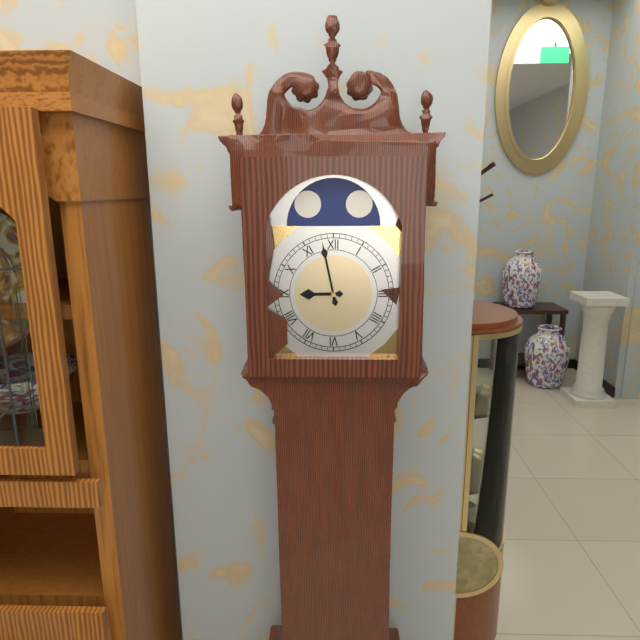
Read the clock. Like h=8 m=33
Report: h=8 m=58
